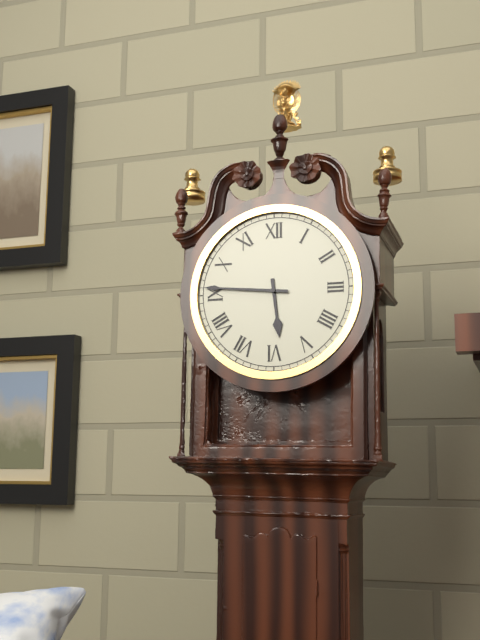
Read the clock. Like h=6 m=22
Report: h=5 m=46
